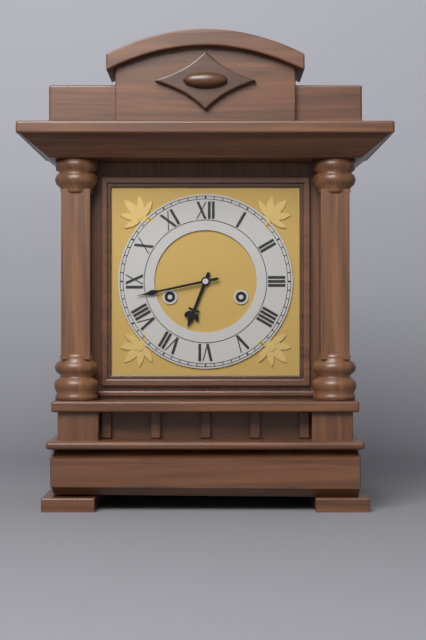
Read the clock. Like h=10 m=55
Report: h=6 m=43
